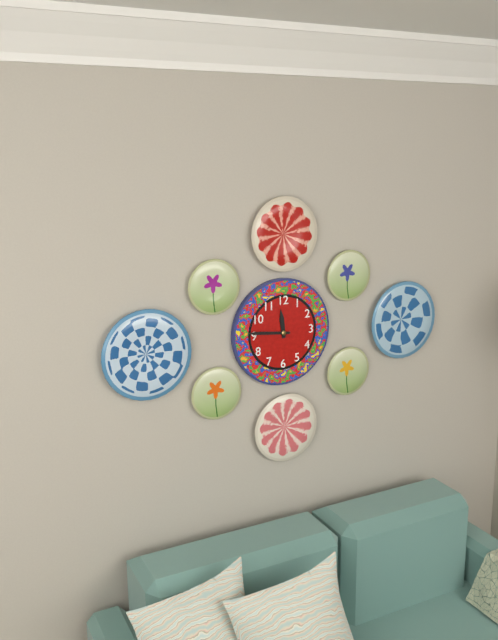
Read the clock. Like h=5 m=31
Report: h=11 m=46
